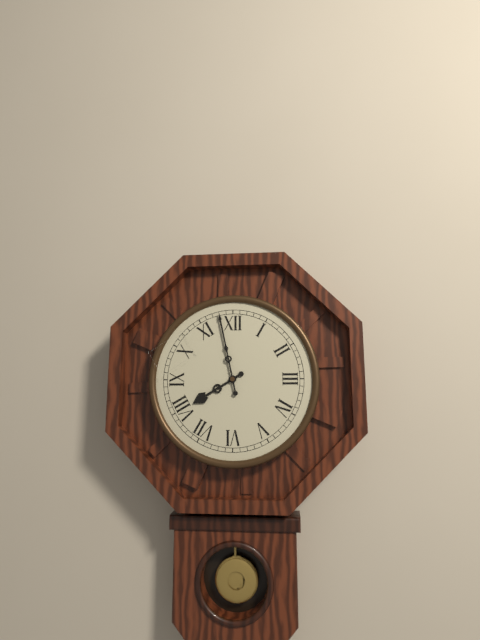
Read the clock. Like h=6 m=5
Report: h=7 m=58
